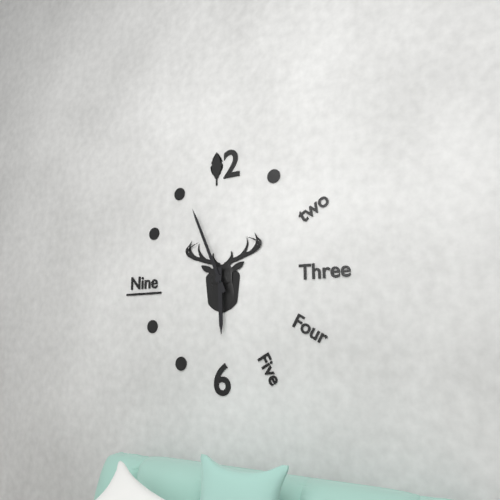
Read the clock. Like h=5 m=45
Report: h=5 m=56
